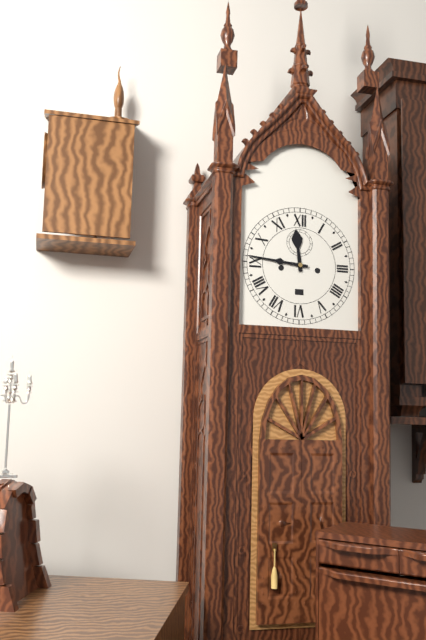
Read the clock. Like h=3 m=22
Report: h=11 m=46
